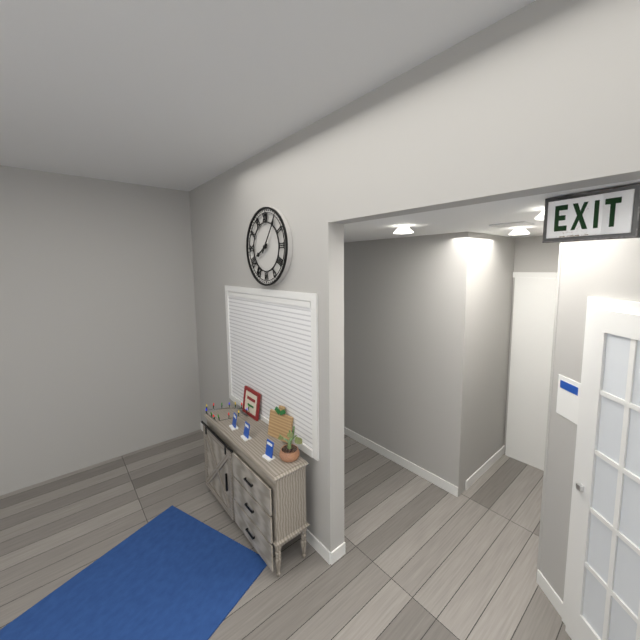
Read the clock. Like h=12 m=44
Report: h=8 m=6
